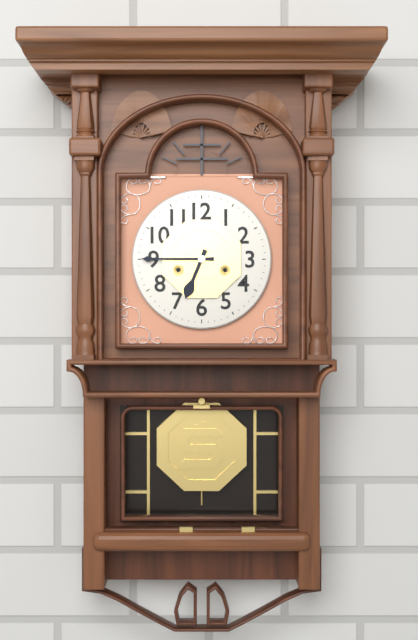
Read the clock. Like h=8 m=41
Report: h=6 m=45
